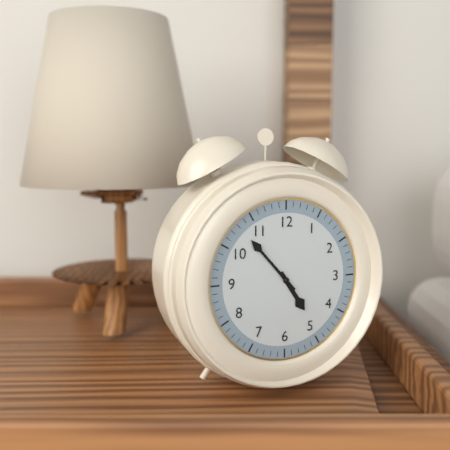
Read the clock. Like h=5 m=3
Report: h=4 m=53
